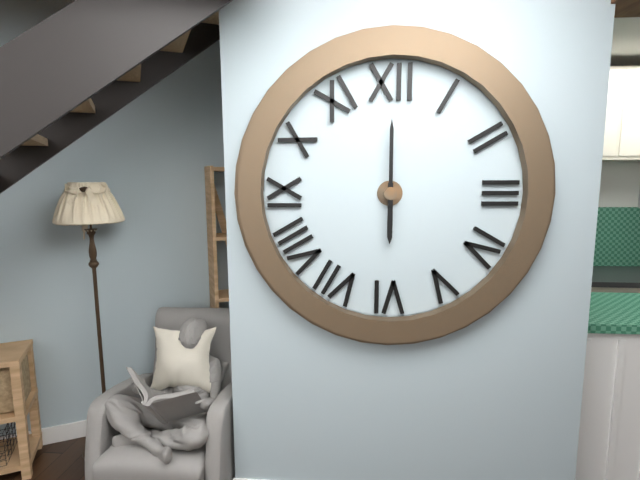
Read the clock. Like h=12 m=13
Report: h=6 m=0
